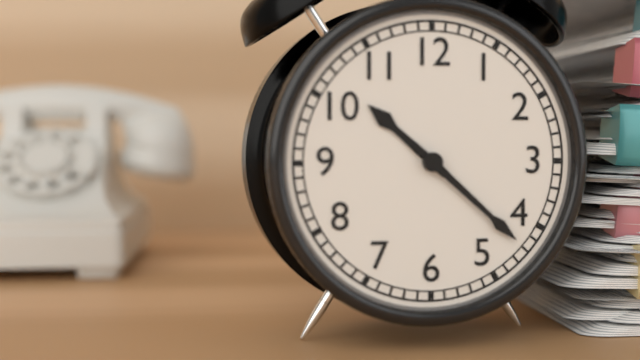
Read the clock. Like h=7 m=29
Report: h=10 m=22
